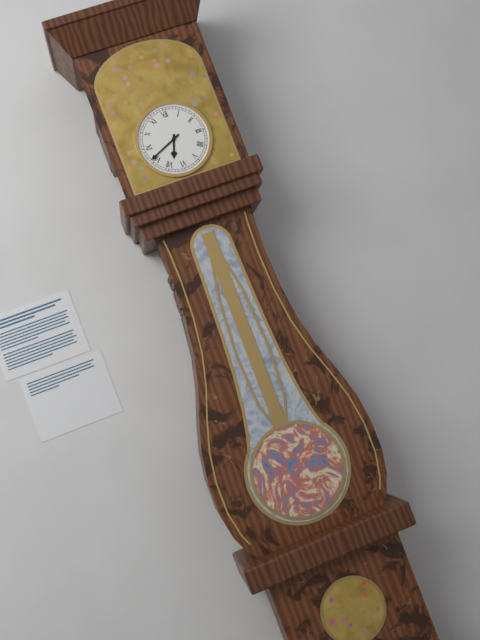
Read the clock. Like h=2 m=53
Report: h=6 m=41
